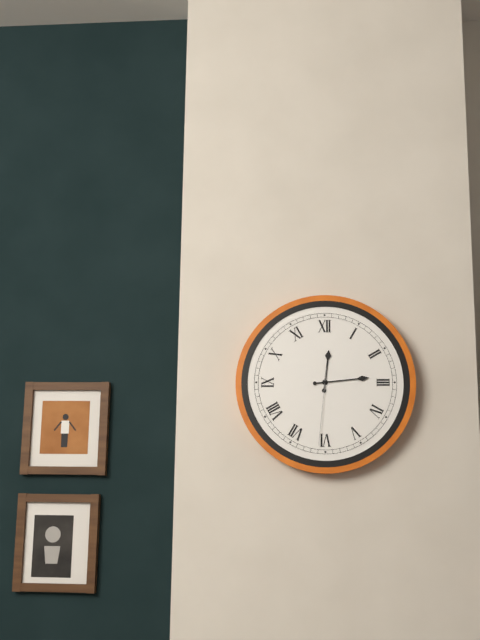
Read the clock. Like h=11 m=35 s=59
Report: h=12 m=14 s=31
